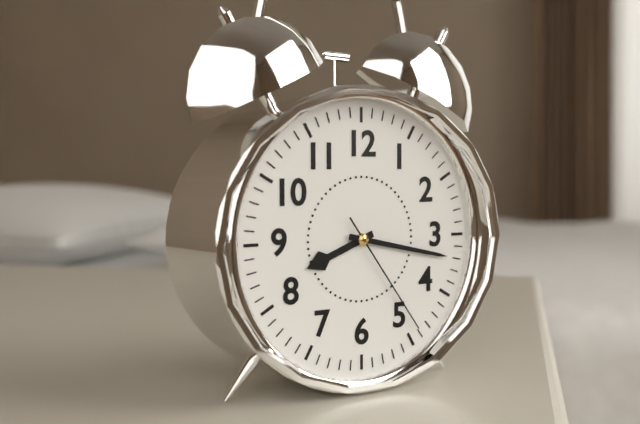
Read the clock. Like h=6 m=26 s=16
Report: h=8 m=17 s=24
